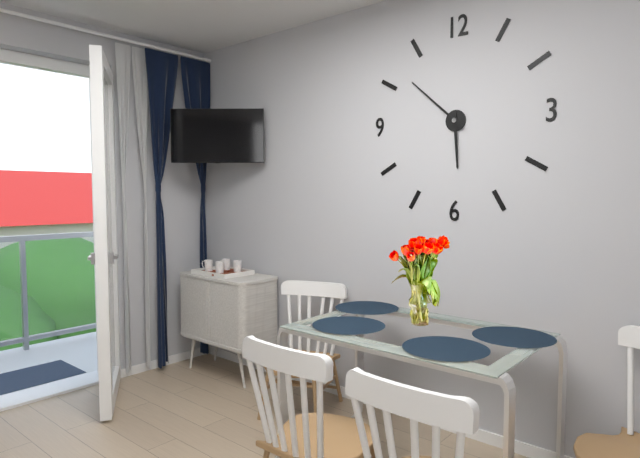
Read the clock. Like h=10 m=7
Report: h=5 m=52
